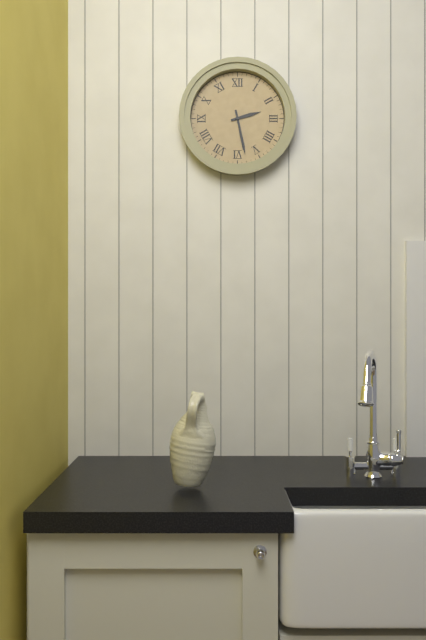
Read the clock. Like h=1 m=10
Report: h=2 m=28
